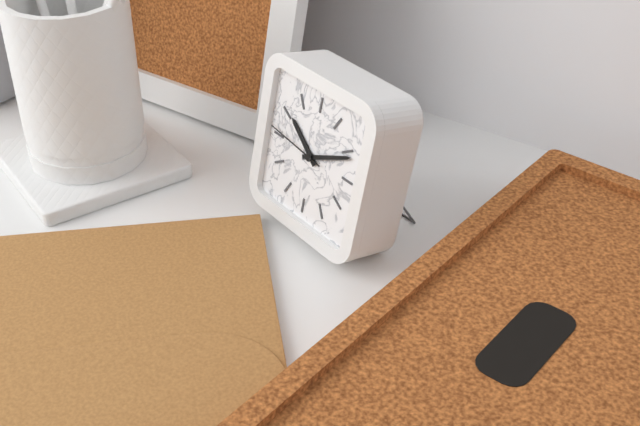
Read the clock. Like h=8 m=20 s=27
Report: h=10 m=11 s=46
